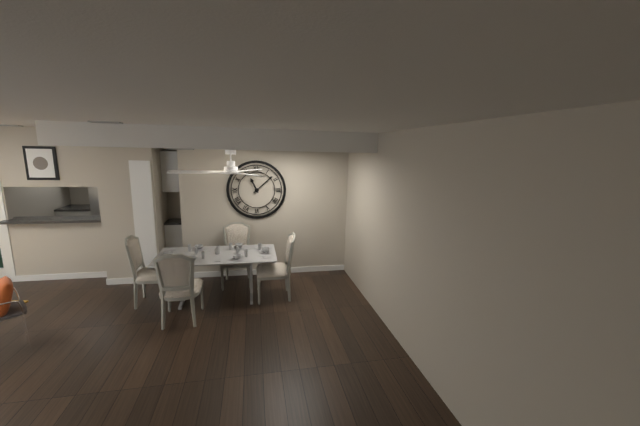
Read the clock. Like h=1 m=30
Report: h=11 m=8
